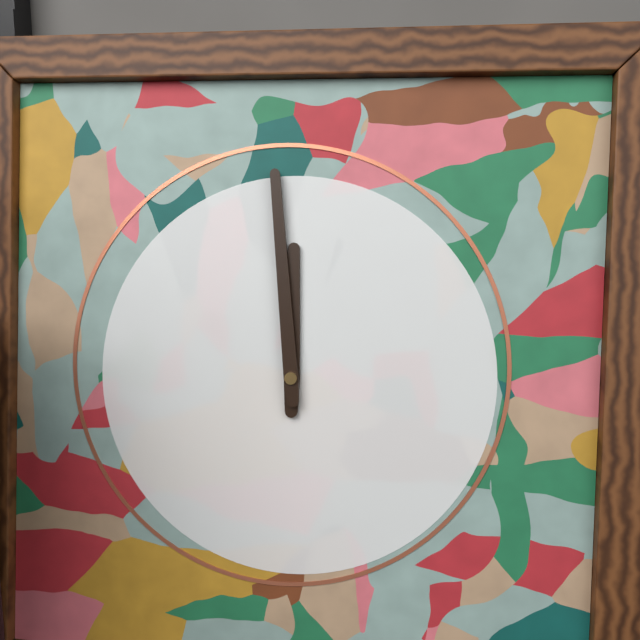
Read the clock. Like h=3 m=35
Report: h=11 m=59
